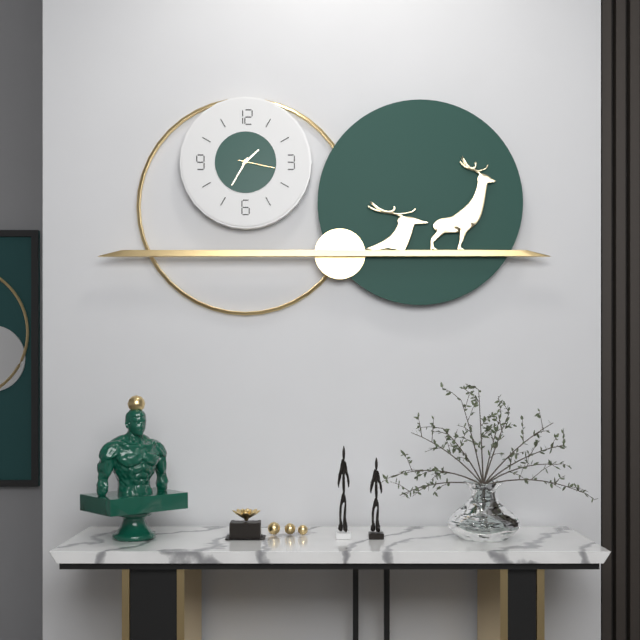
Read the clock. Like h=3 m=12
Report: h=1 m=35
